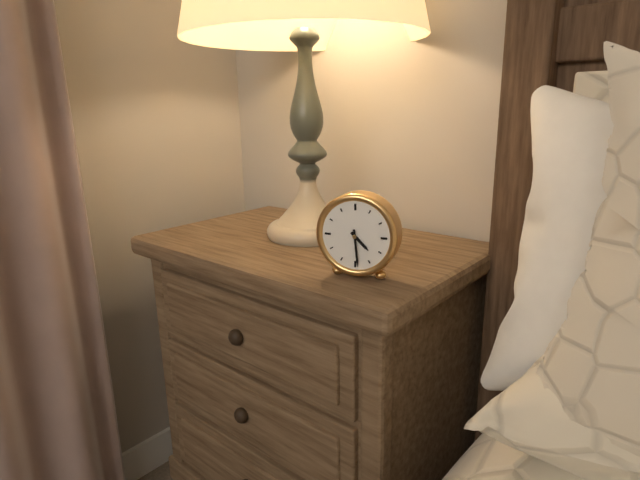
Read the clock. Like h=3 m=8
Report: h=4 m=29
